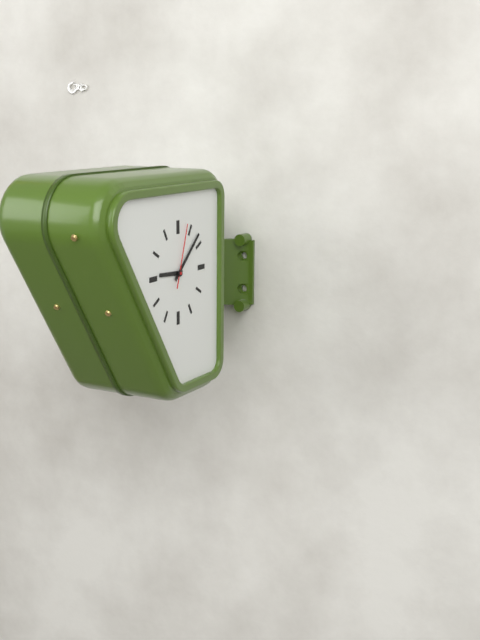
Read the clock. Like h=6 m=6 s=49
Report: h=9 m=8 s=3
